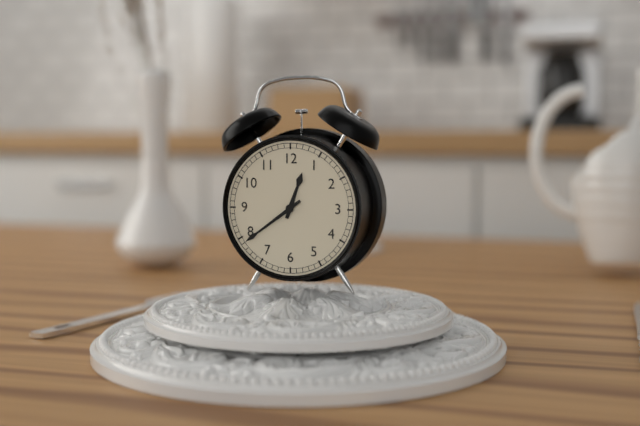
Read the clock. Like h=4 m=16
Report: h=12 m=39
